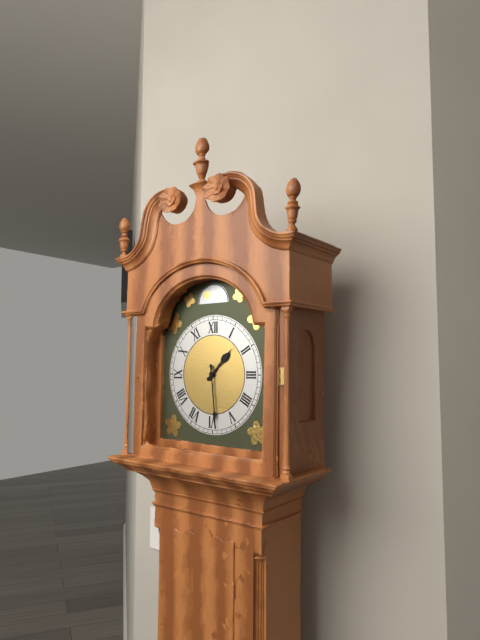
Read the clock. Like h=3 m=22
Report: h=1 m=29
